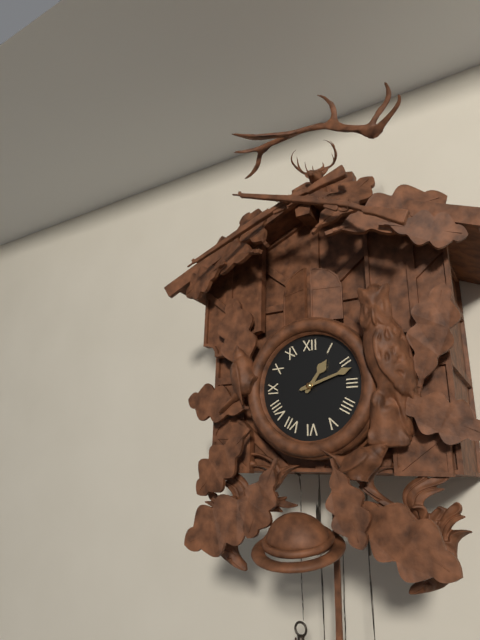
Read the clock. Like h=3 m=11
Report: h=1 m=12
